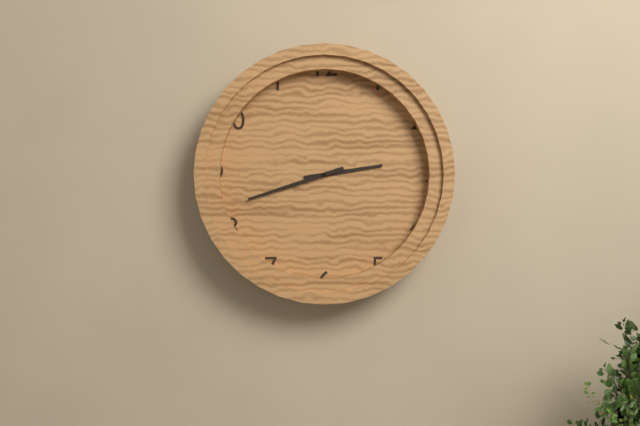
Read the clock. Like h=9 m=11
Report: h=2 m=42
